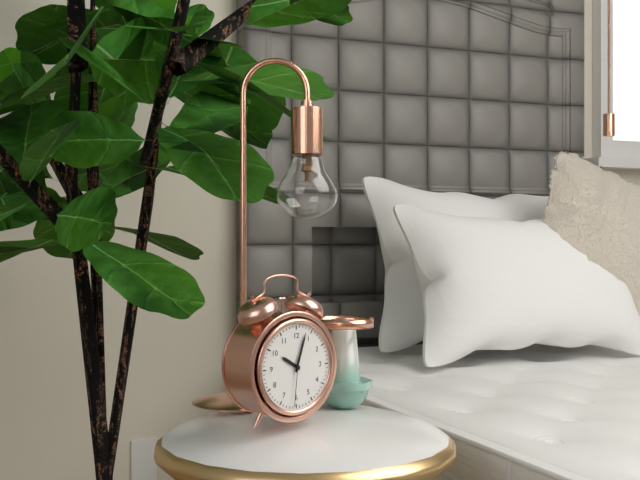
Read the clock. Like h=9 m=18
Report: h=10 m=3
